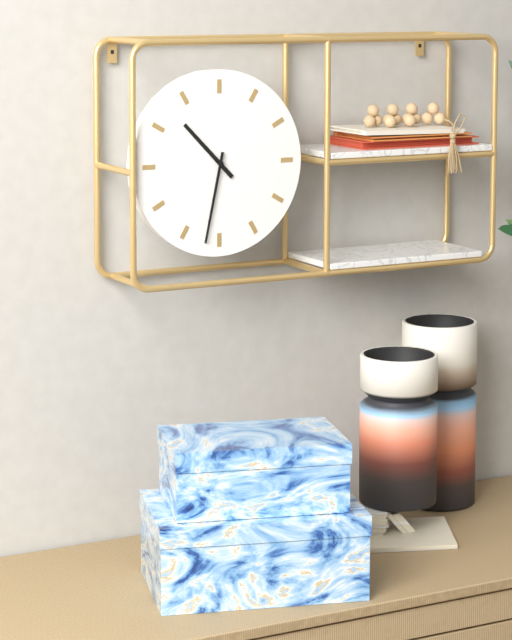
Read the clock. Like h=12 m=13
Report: h=10 m=32
